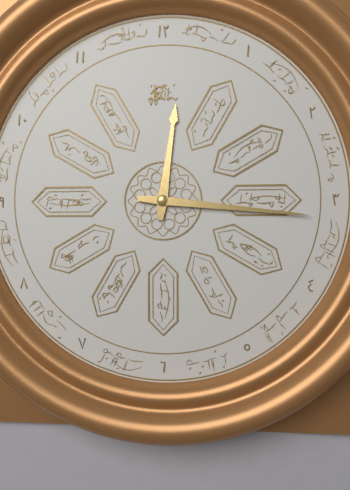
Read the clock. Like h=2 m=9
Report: h=12 m=16
